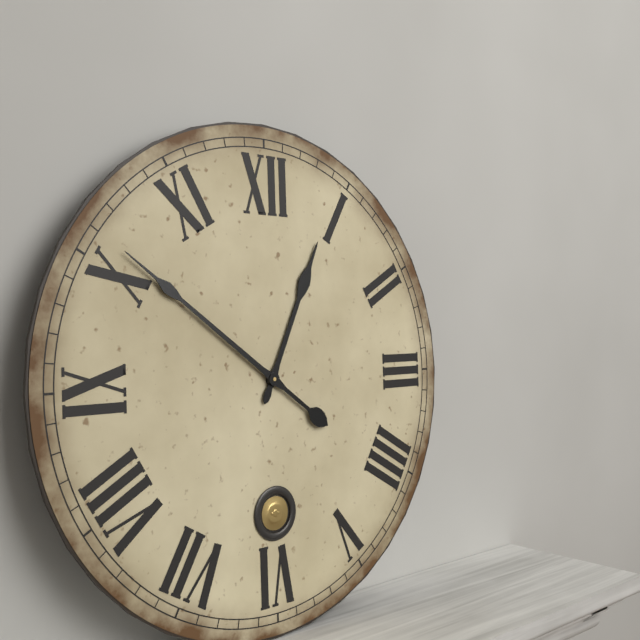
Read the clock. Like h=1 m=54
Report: h=12 m=51
